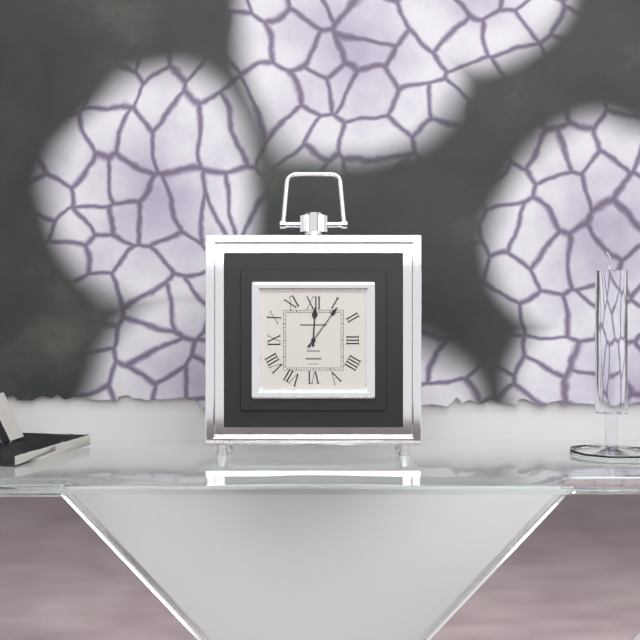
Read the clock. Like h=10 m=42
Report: h=12 m=6
